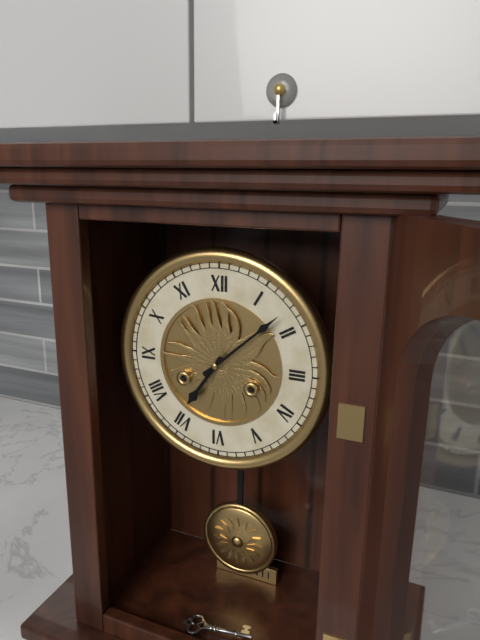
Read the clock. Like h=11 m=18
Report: h=7 m=8
